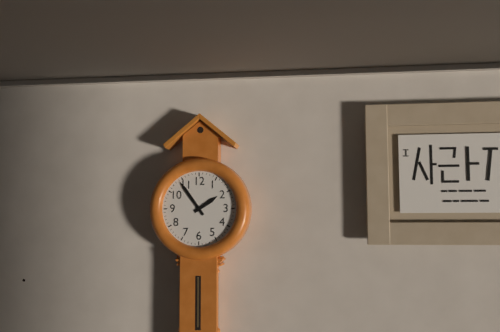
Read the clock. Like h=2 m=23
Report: h=1 m=54
